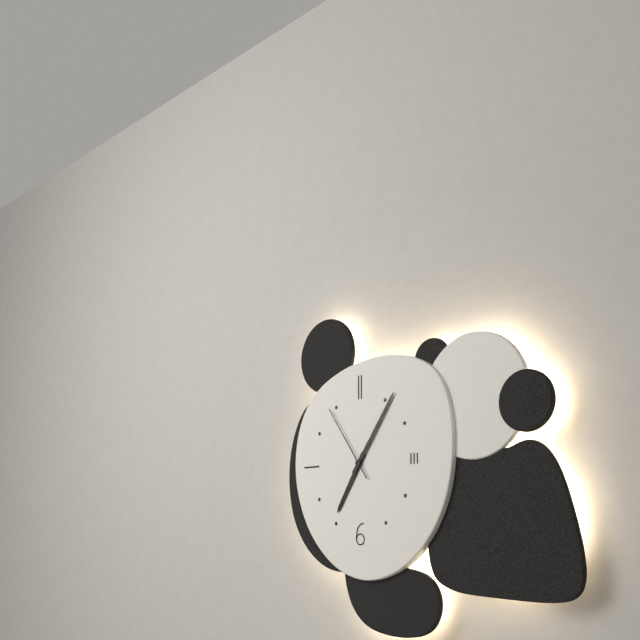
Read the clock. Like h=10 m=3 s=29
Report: h=7 m=6 s=54
